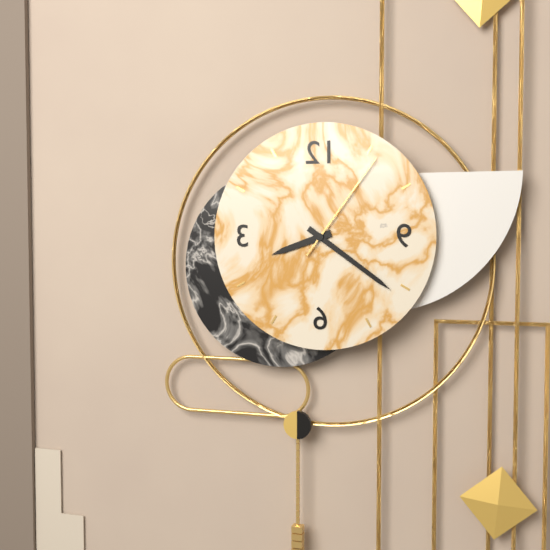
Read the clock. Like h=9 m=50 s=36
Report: h=8 m=21 s=6
